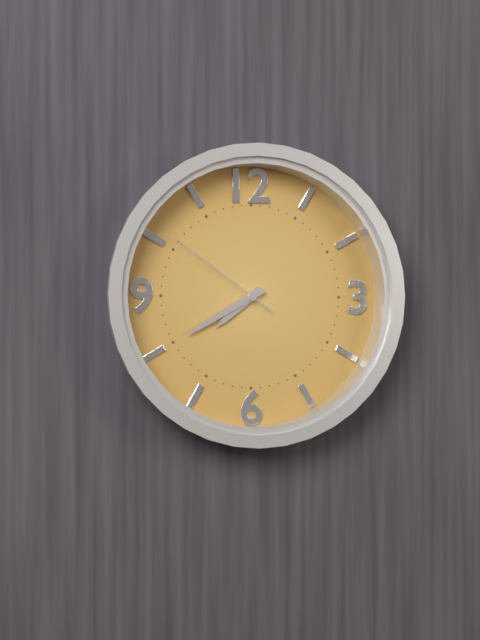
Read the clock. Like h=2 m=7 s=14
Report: h=7 m=40 s=51
